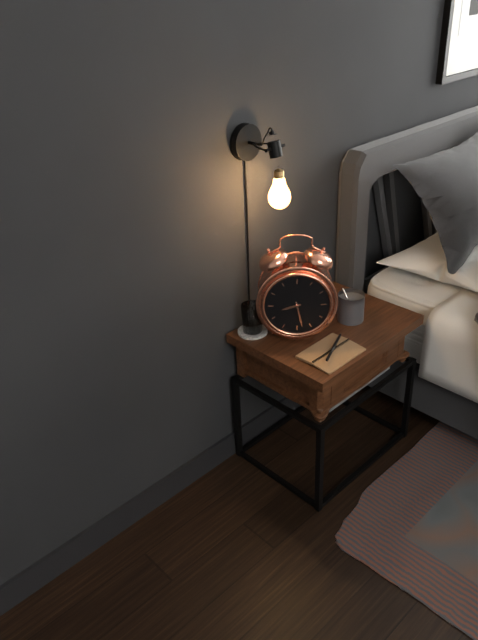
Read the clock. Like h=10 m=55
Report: h=8 m=28
